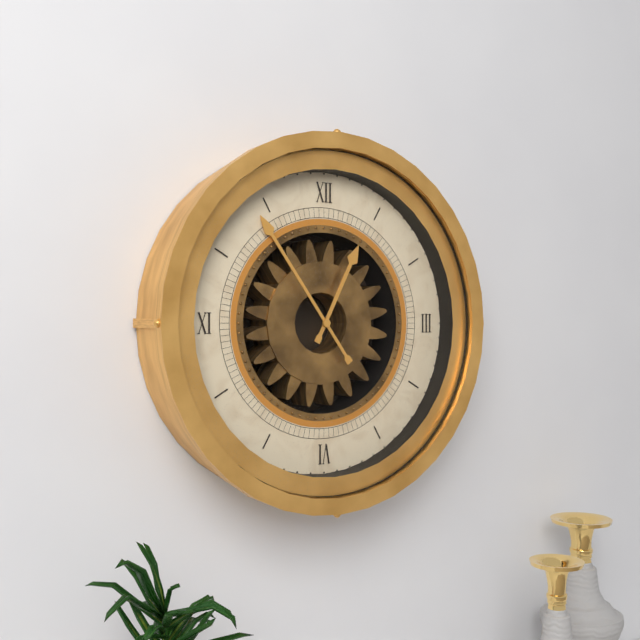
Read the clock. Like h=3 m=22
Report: h=12 m=54
